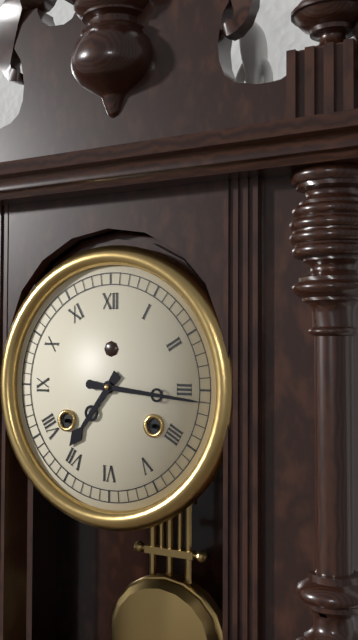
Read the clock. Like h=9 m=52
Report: h=7 m=16
